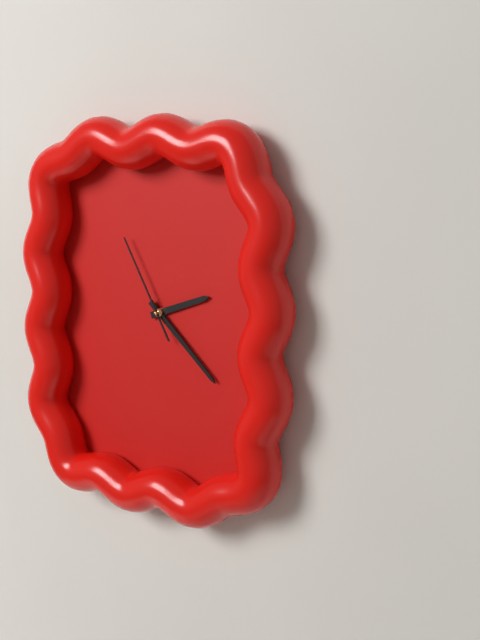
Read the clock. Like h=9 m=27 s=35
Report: h=2 m=22 s=55
